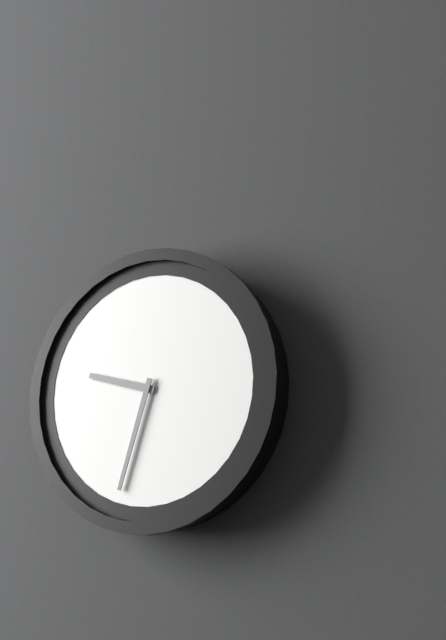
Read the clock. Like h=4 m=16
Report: h=9 m=33
